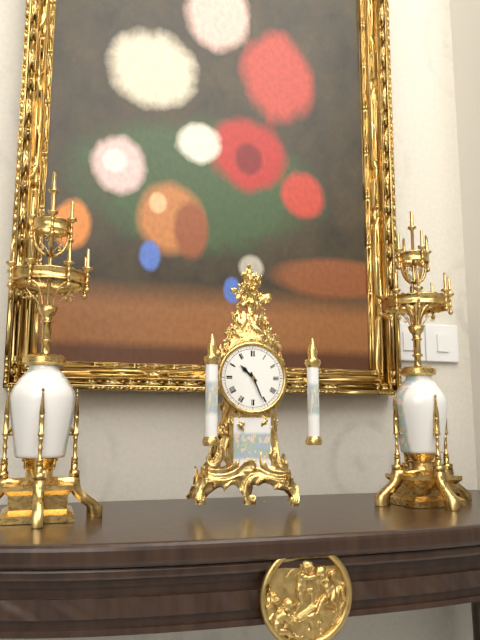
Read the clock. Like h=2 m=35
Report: h=10 m=26
